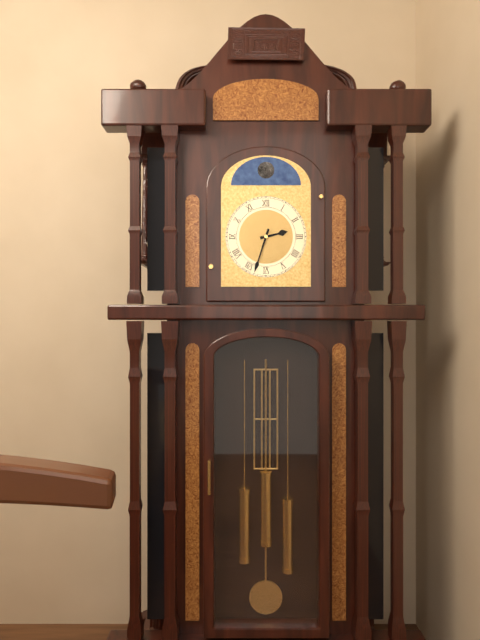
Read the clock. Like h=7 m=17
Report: h=2 m=33
